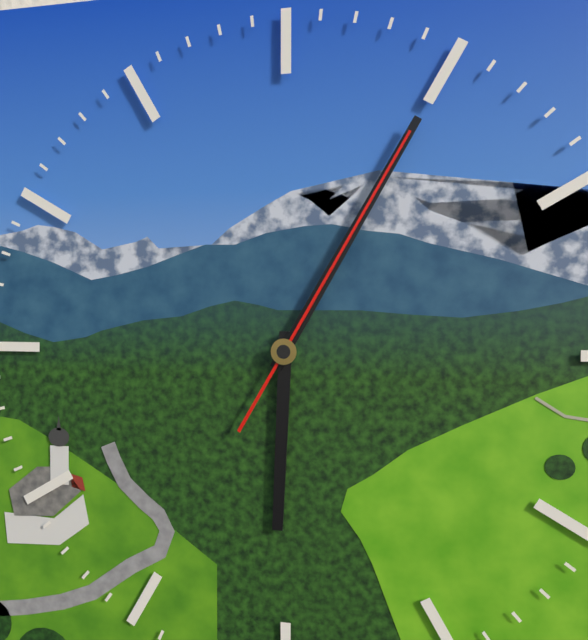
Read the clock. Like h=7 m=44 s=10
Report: h=6 m=5 s=5
